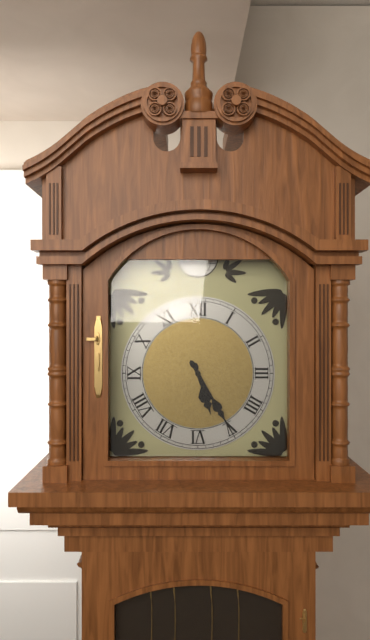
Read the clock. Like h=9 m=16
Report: h=5 m=25
